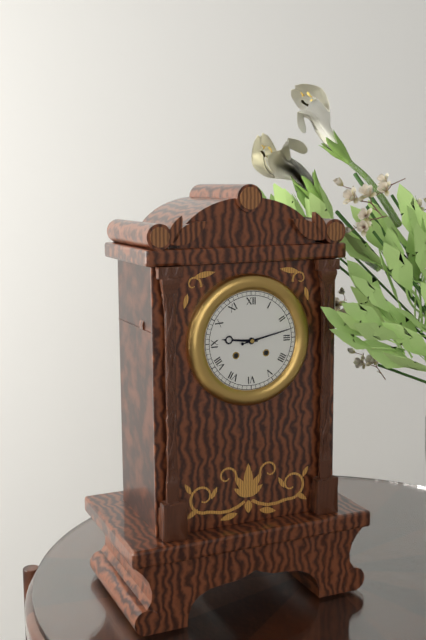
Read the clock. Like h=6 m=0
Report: h=9 m=13
